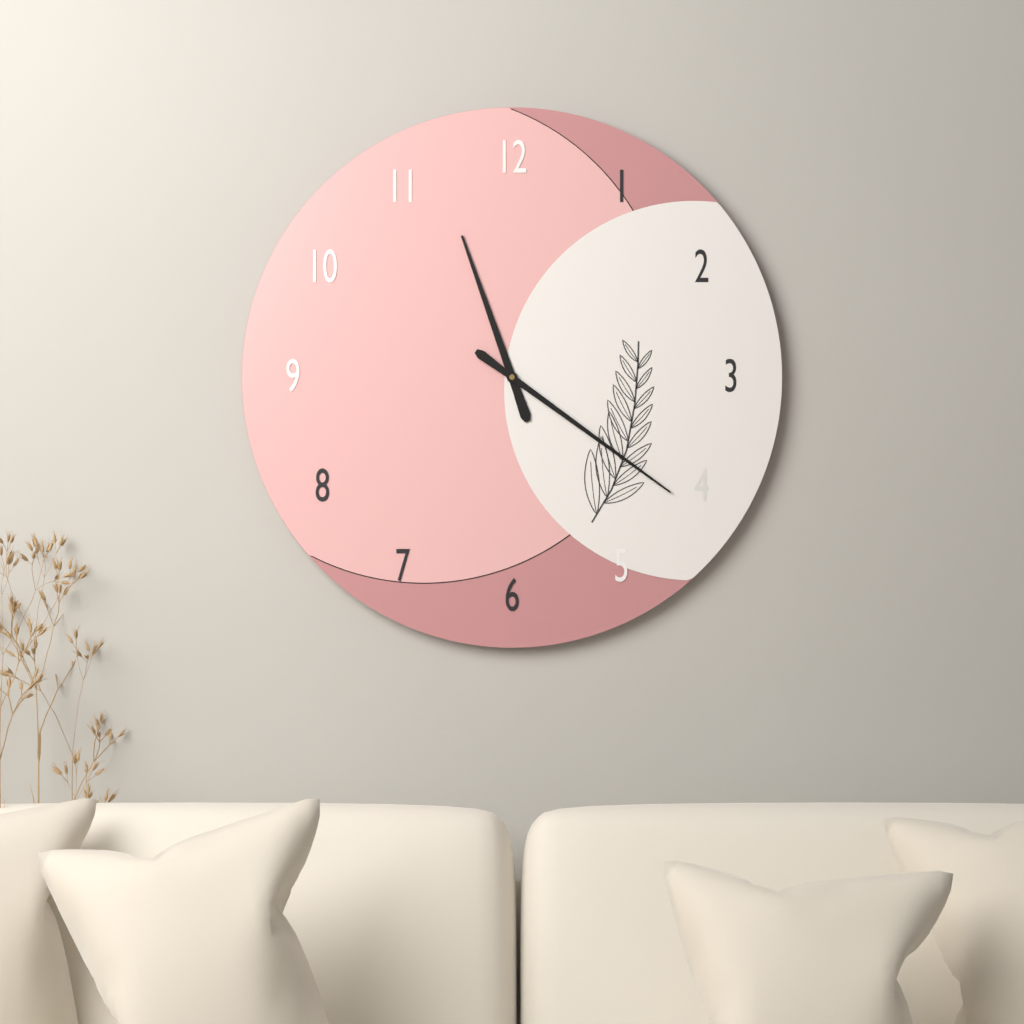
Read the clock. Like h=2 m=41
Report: h=11 m=21
